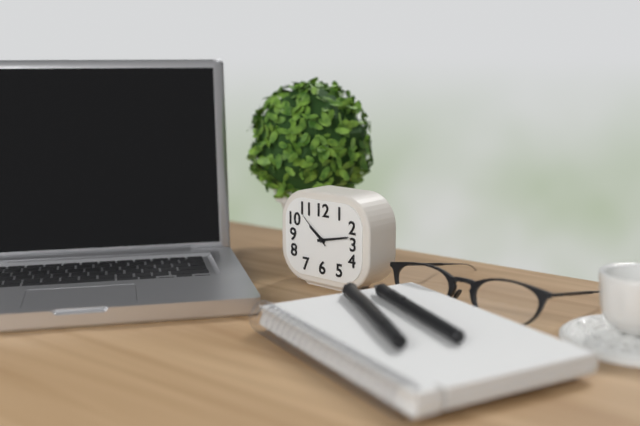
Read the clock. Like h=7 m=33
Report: h=10 m=13
